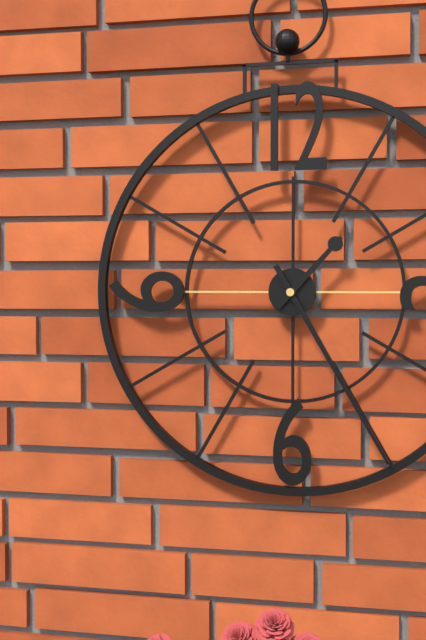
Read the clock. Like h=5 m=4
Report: h=1 m=25
